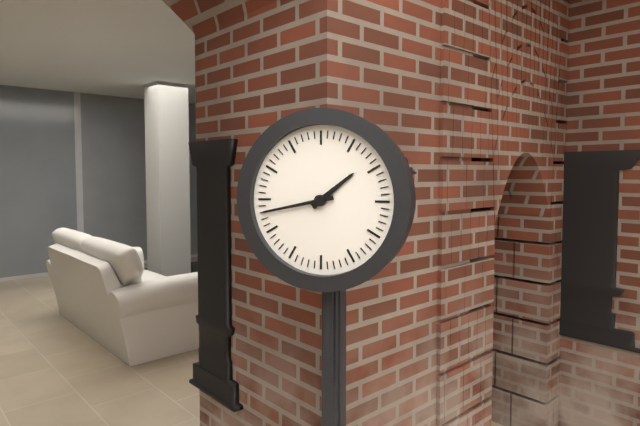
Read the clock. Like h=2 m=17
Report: h=1 m=43
